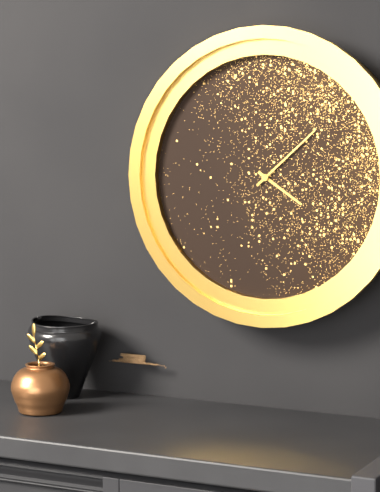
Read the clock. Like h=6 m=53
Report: h=4 m=8
